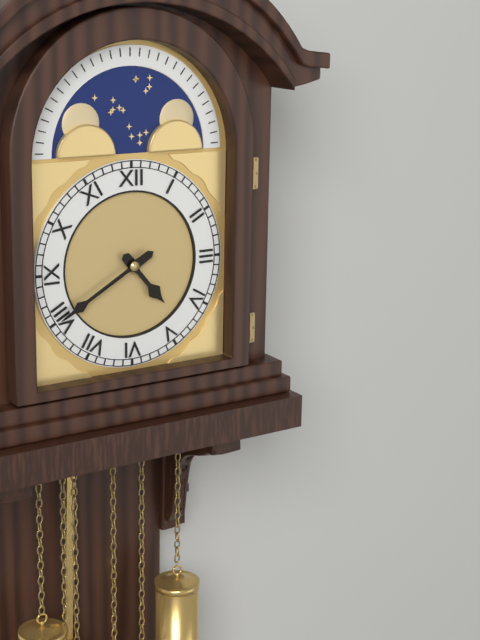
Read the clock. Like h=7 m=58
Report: h=4 m=40
